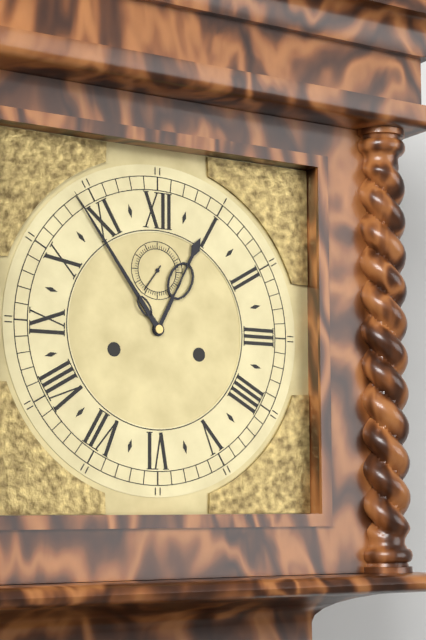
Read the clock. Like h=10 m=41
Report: h=12 m=54
